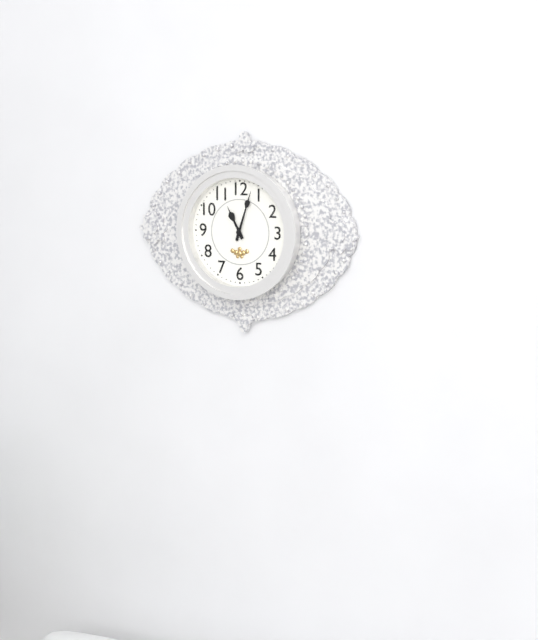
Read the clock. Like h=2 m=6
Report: h=11 m=3
